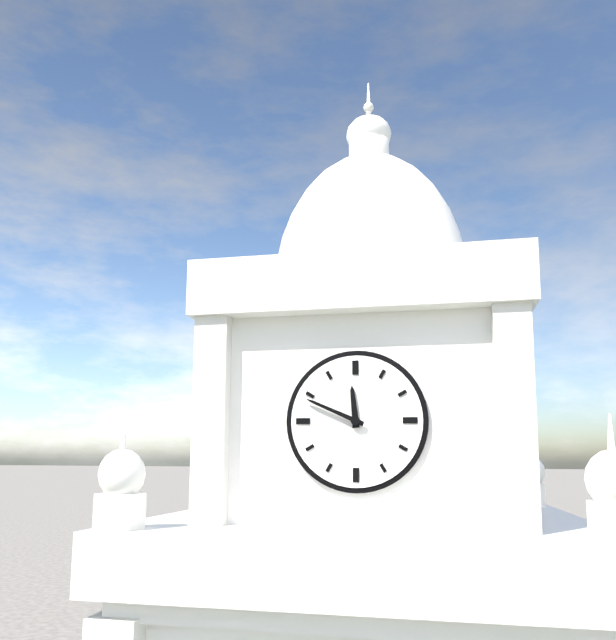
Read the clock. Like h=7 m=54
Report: h=11 m=49
